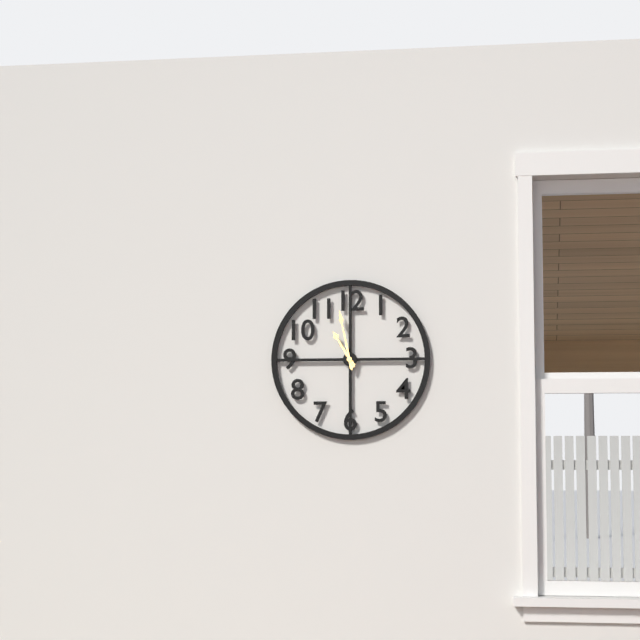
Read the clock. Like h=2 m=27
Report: h=10 m=58
